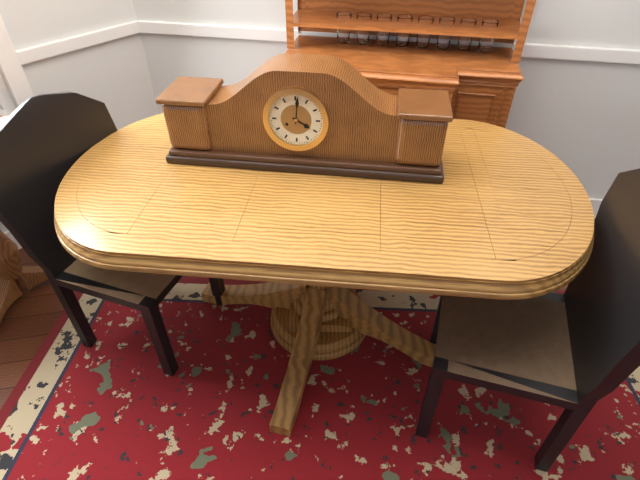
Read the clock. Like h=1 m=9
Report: h=4 m=1
